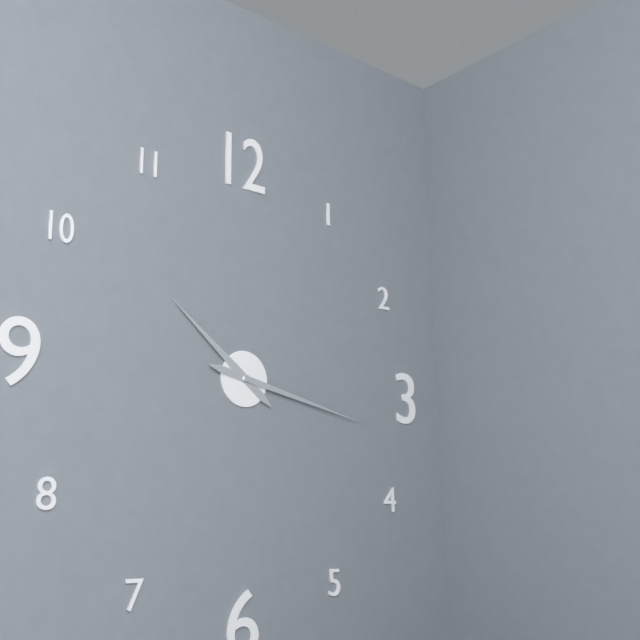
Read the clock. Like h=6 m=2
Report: h=10 m=17
